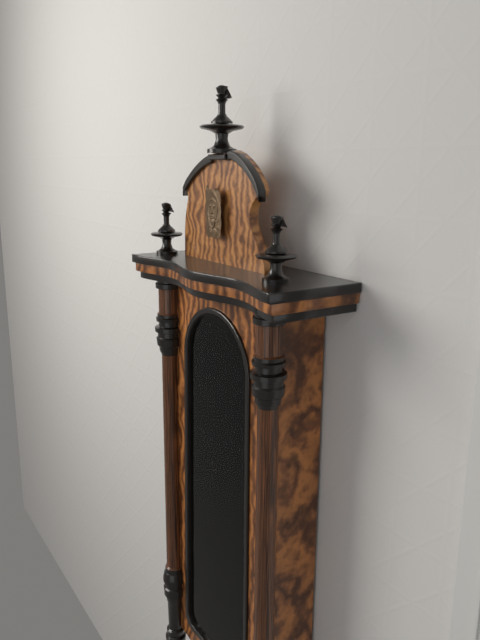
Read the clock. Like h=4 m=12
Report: h=8 m=17
